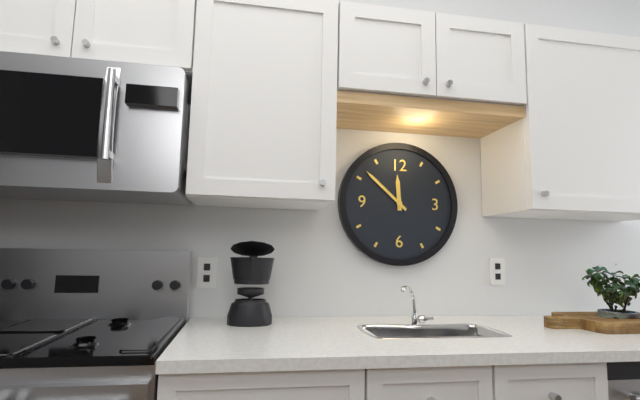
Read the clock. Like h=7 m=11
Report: h=11 m=52
